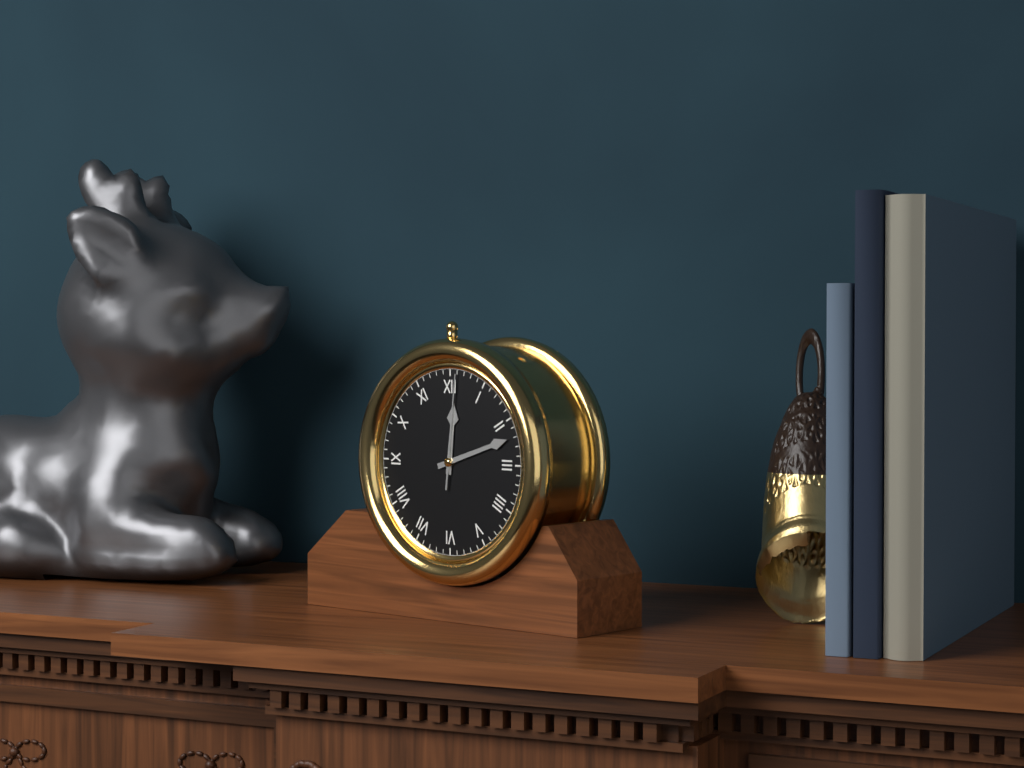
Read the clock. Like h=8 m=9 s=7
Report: h=12 m=12 s=1
